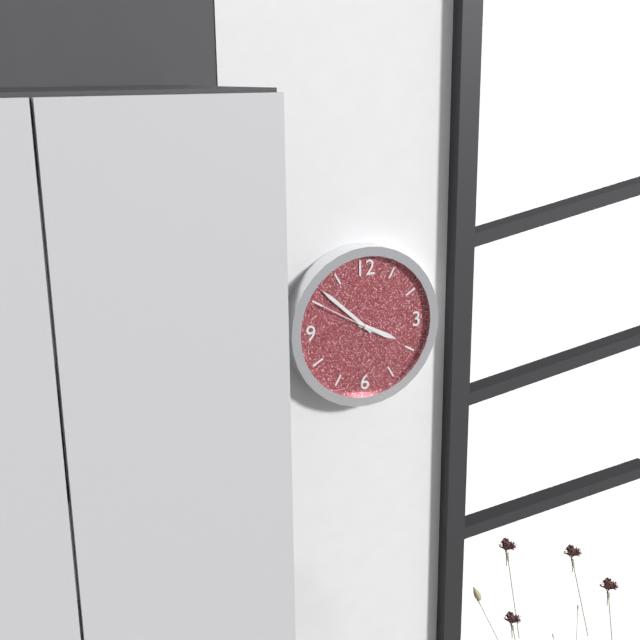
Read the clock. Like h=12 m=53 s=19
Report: h=3 m=52 s=50
